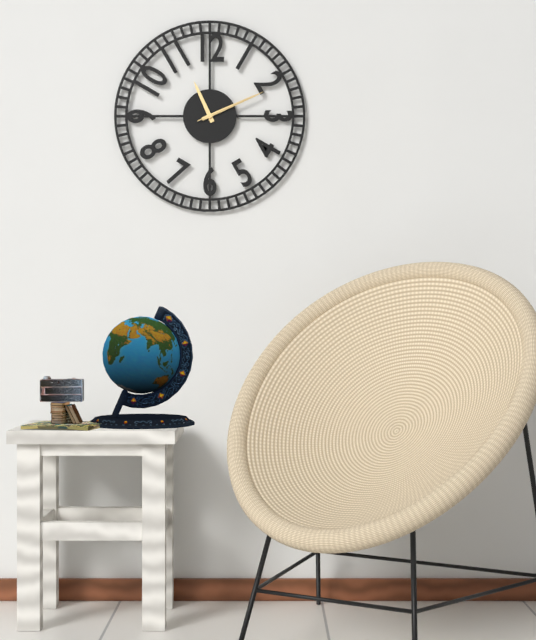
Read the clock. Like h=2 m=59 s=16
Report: h=11 m=11 s=11
